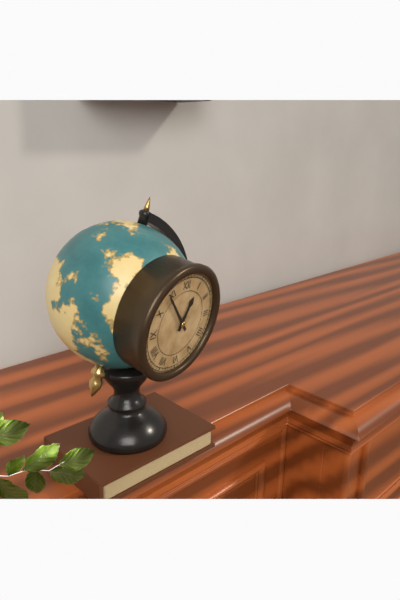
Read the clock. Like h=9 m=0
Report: h=12 m=54
